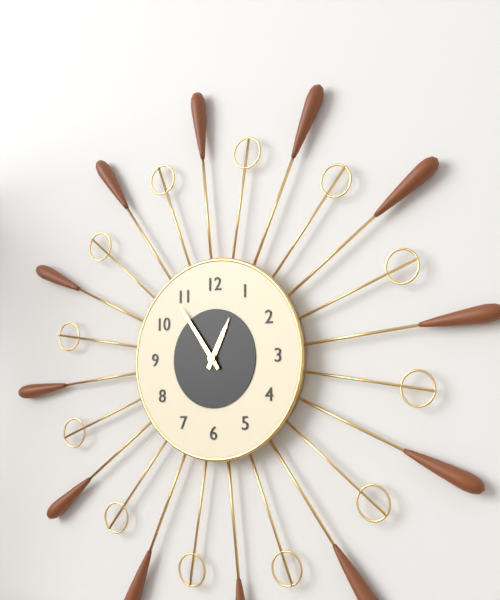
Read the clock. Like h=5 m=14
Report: h=12 m=54
